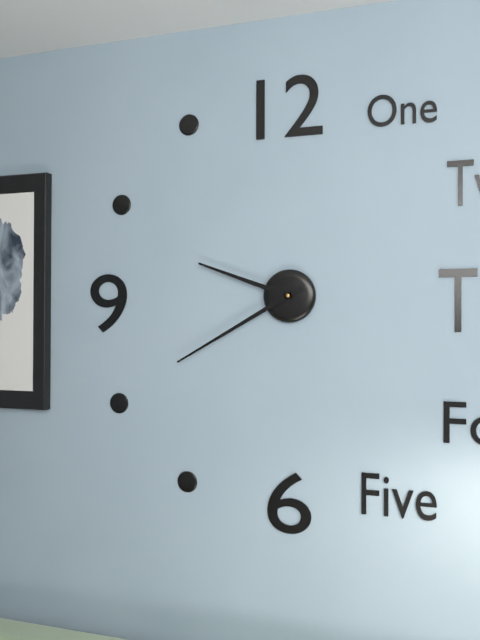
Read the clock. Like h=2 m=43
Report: h=9 m=40
